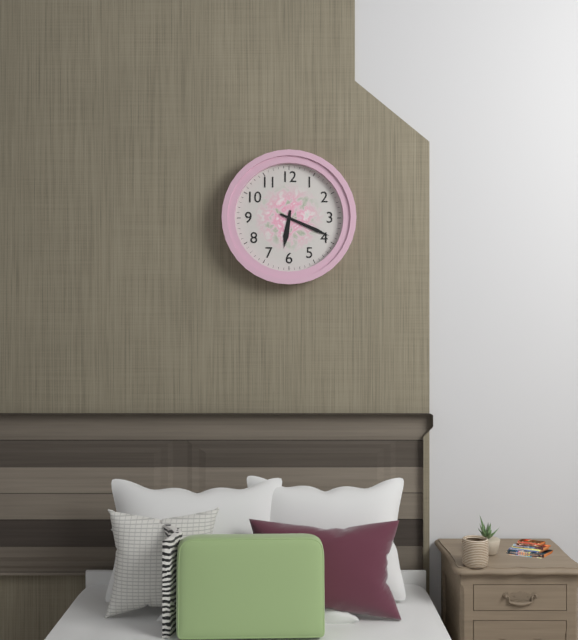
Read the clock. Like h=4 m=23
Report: h=6 m=19
